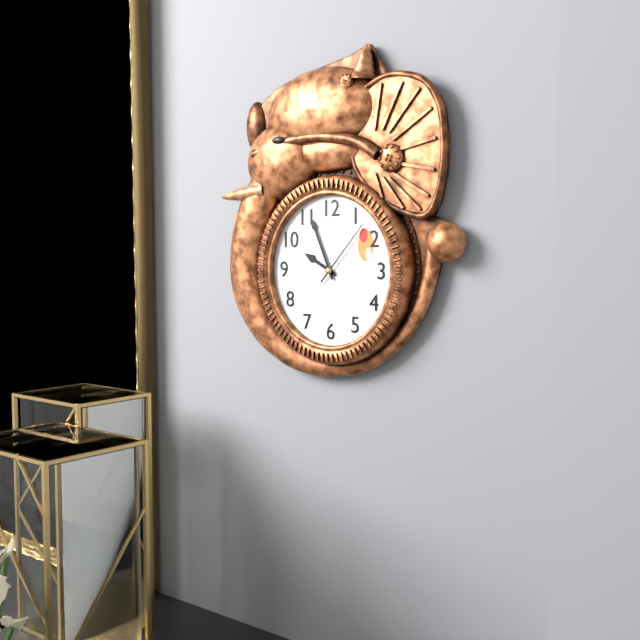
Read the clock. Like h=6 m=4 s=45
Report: h=9 m=56 s=7
